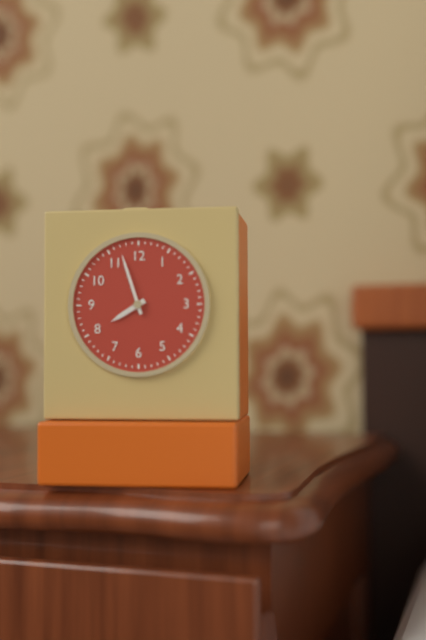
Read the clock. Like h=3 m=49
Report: h=7 m=57
